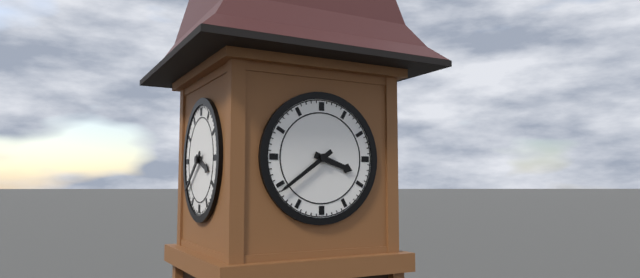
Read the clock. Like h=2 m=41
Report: h=3 m=39
